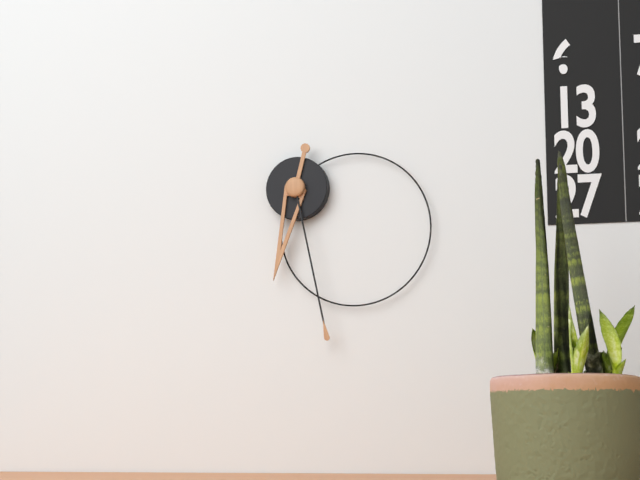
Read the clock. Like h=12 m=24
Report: h=6 m=28
